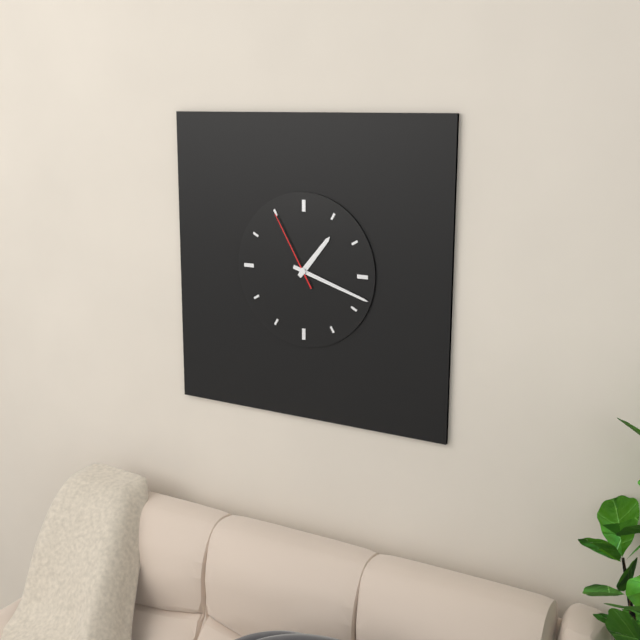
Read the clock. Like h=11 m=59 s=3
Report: h=1 m=18 s=55
